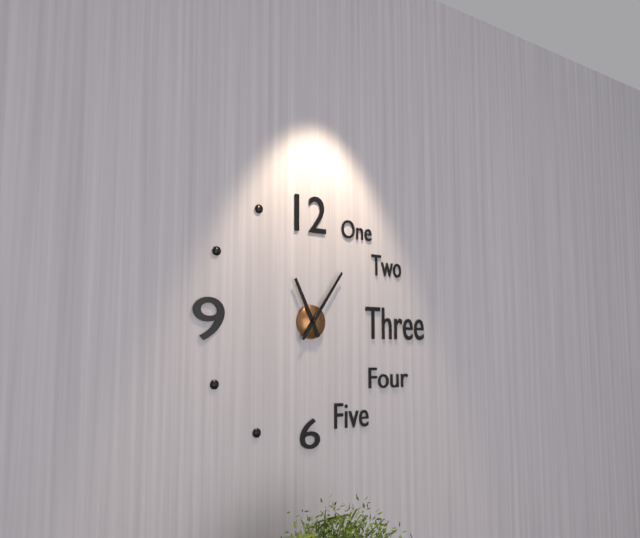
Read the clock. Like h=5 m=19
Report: h=11 m=6
